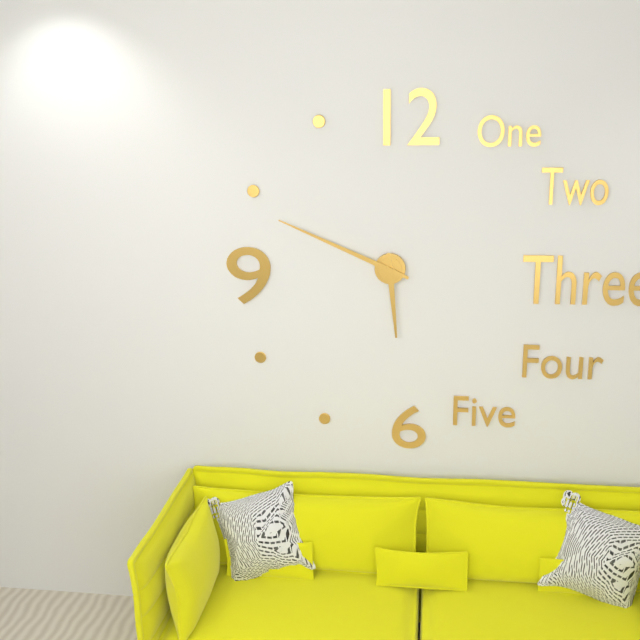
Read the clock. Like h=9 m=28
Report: h=5 m=49
